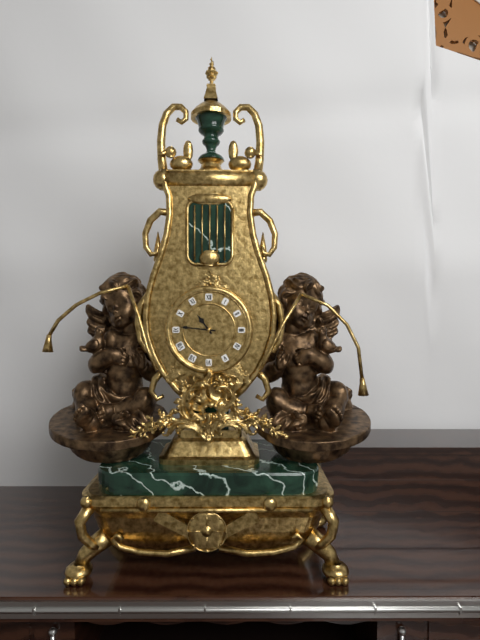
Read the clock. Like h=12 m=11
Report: h=10 m=46
